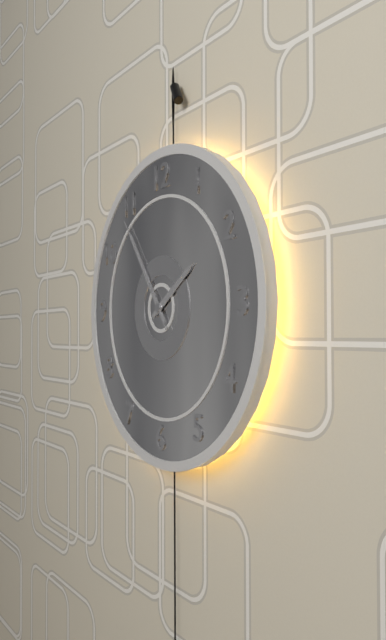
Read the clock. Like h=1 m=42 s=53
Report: h=1 m=54 s=54
